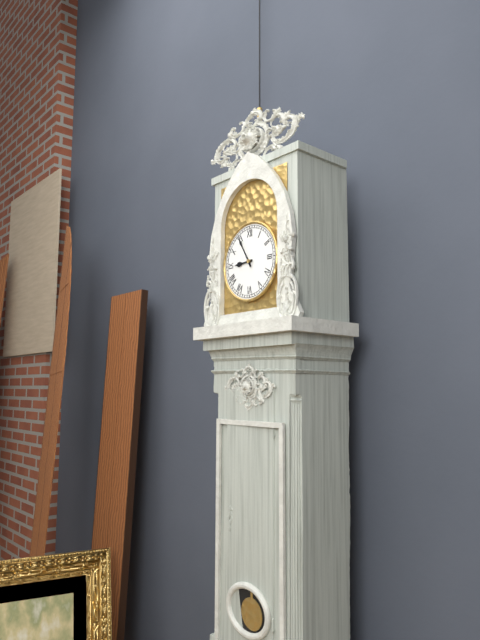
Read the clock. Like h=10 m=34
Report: h=8 m=55
